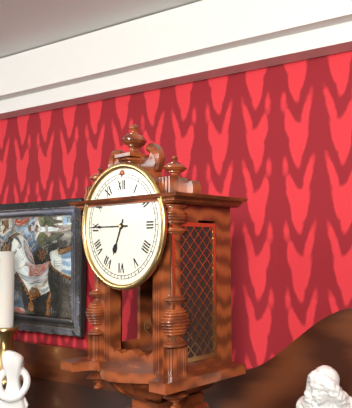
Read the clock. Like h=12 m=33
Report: h=6 m=45
